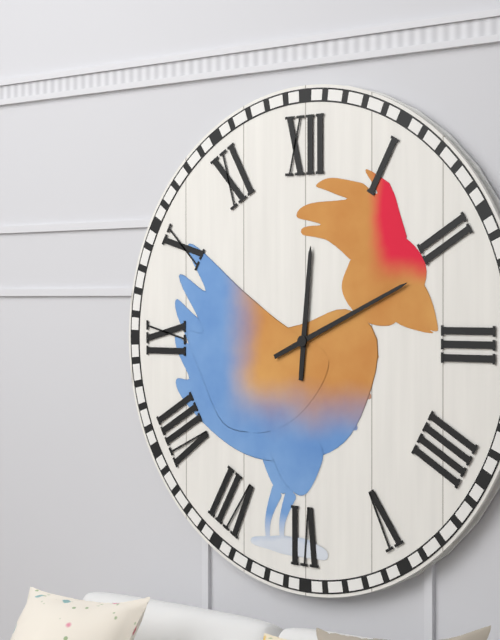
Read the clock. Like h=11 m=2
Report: h=12 m=11
